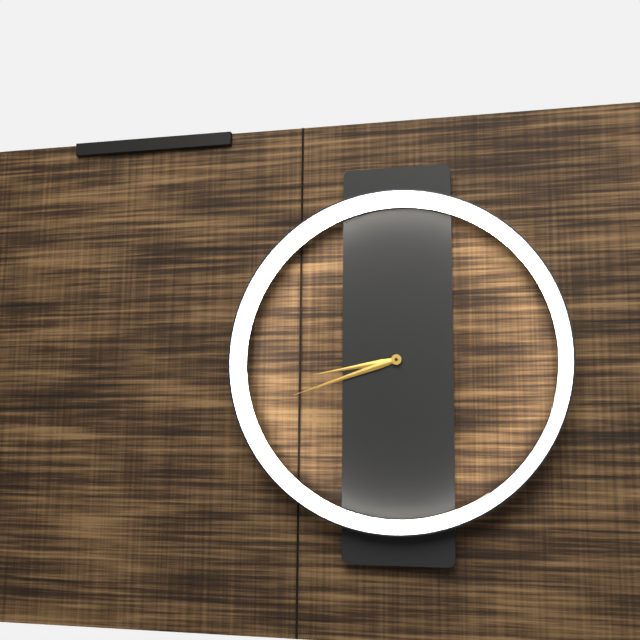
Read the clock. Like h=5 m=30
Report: h=8 m=42
